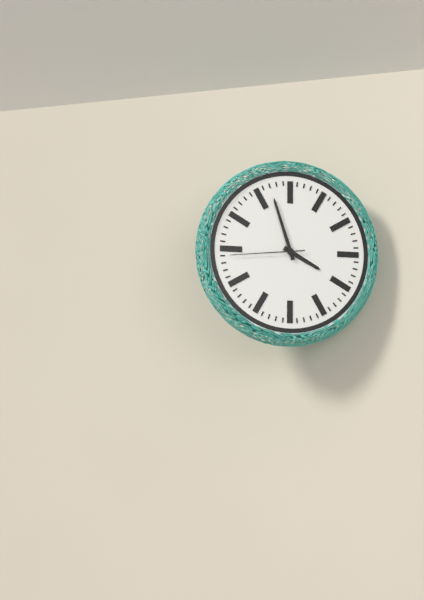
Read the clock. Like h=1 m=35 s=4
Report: h=3 m=57 s=44
